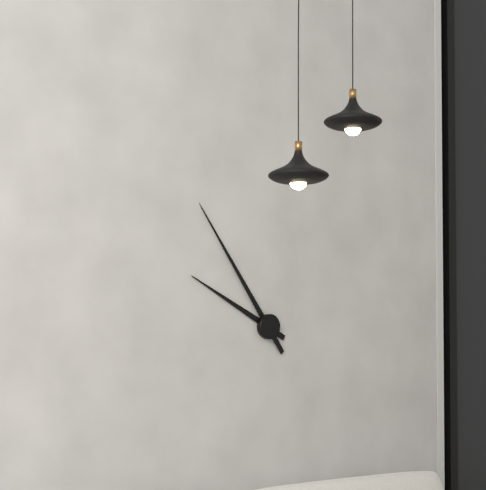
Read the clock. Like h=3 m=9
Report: h=9 m=54
